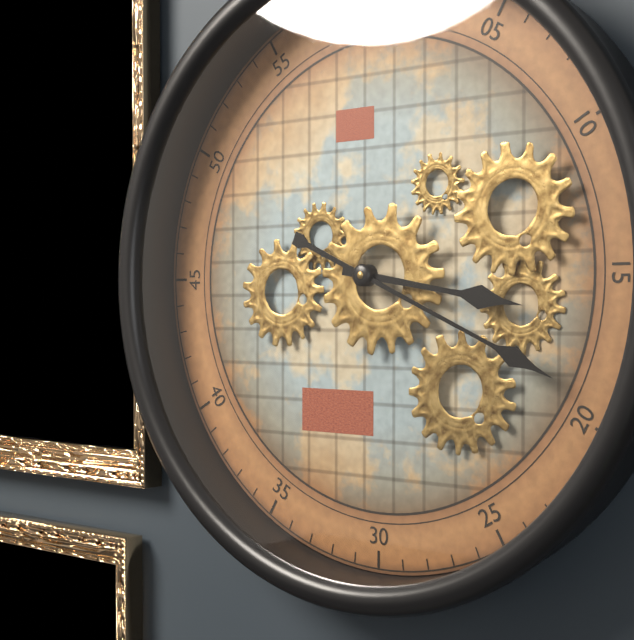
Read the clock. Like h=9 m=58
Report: h=3 m=19
